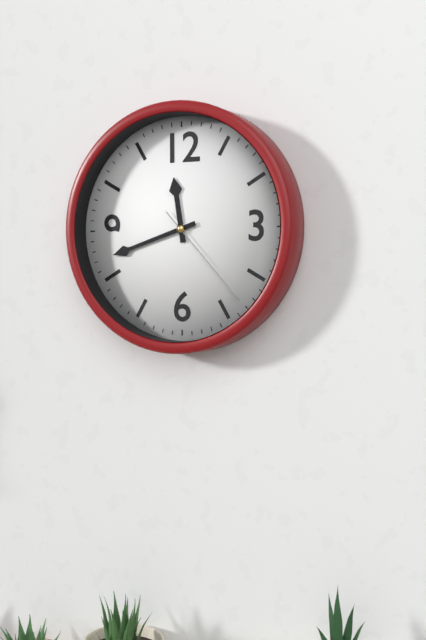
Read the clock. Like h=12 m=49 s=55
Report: h=11 m=42 s=23
